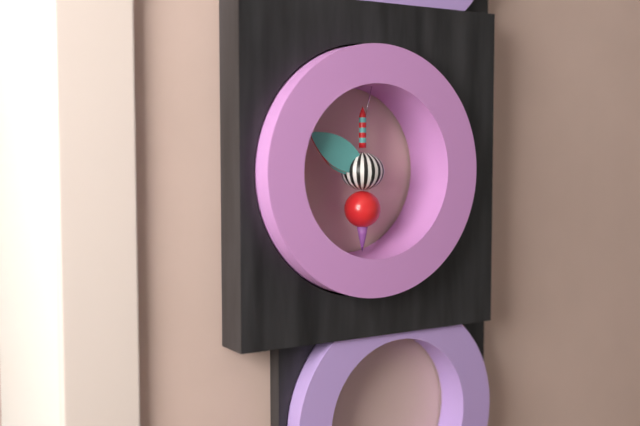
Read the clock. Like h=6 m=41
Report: h=9 m=50
